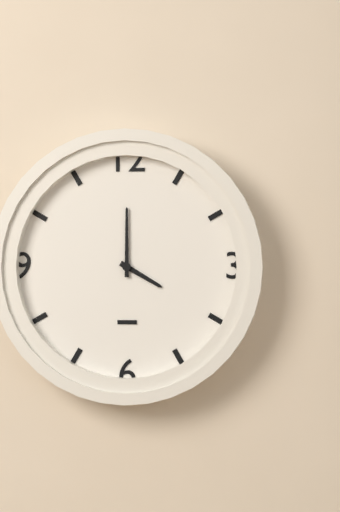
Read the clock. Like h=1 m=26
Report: h=4 m=0
